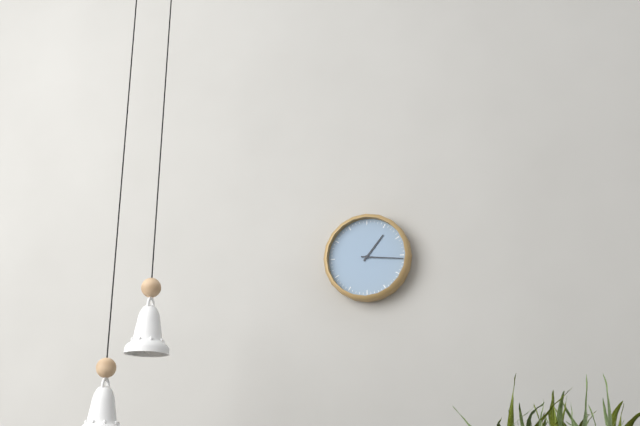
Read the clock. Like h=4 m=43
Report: h=1 m=16
